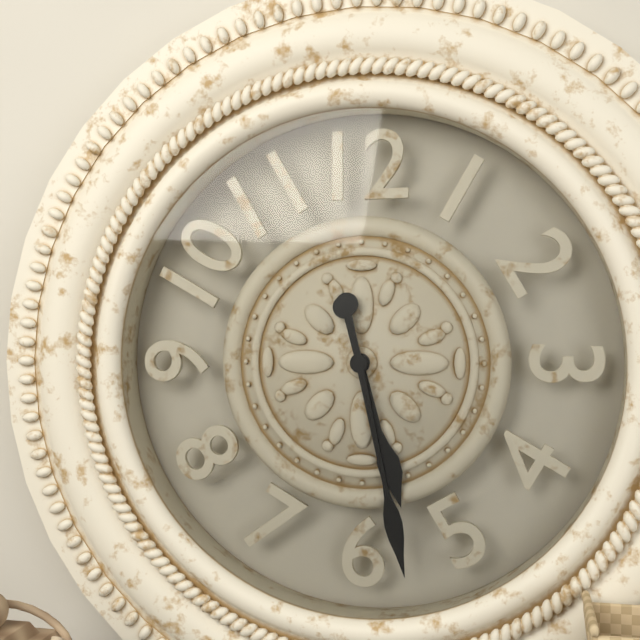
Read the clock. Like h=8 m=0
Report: h=5 m=28
